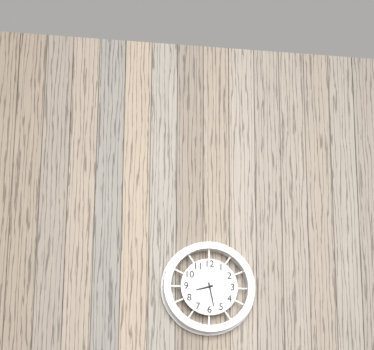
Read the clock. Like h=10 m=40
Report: h=8 m=28
